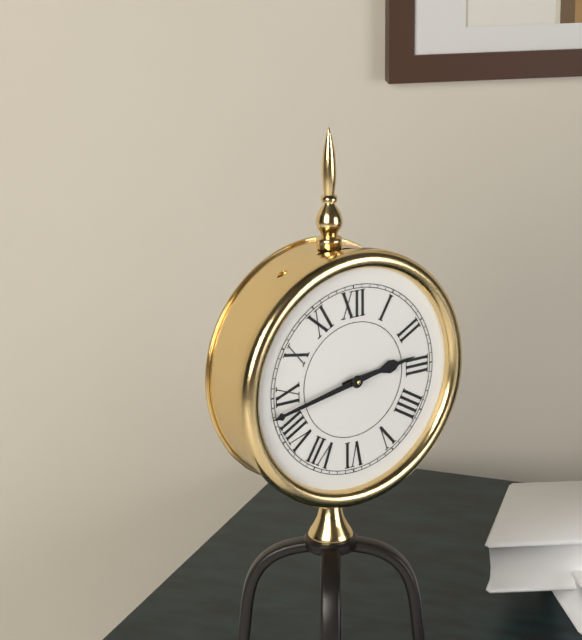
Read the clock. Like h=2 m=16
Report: h=2 m=43
